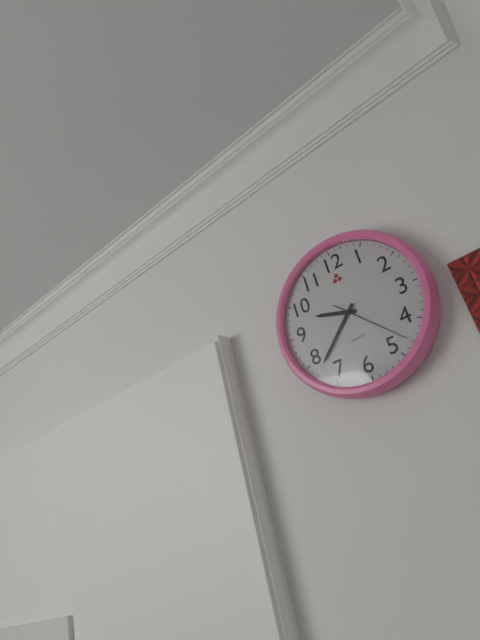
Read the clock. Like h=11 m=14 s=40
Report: h=9 m=38 s=23
